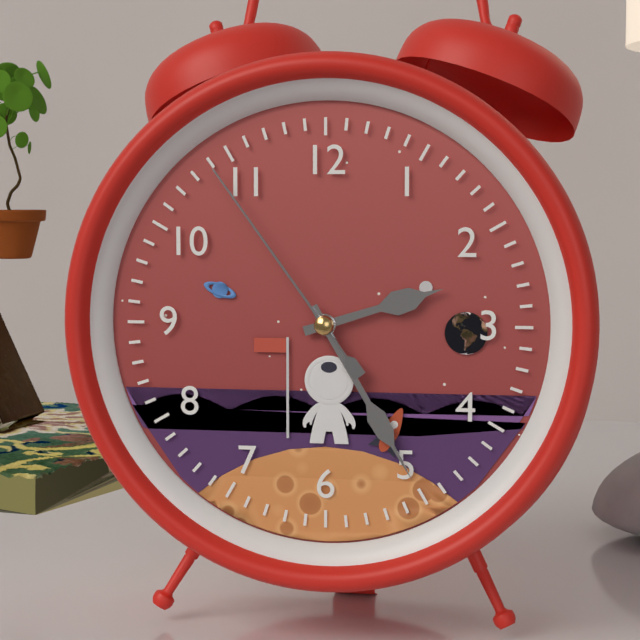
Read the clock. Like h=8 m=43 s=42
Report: h=2 m=25 s=54
